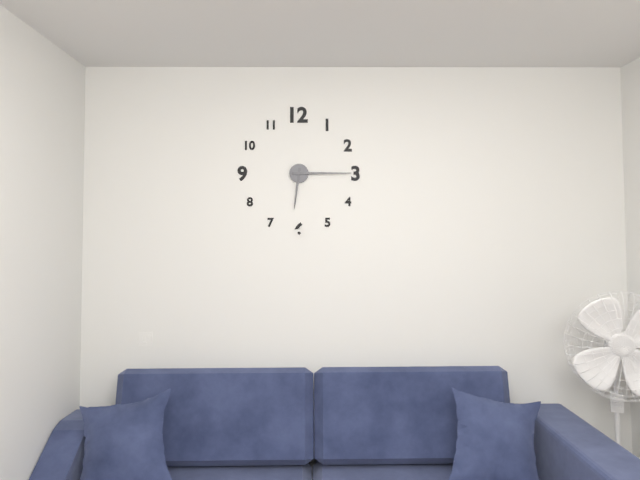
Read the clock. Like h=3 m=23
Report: h=6 m=15
